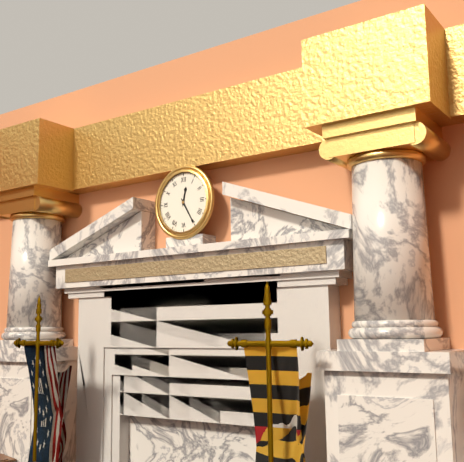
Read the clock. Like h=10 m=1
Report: h=12 m=25
